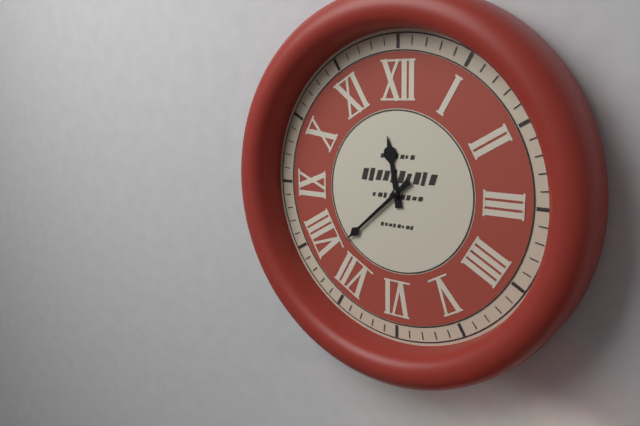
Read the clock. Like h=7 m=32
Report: h=11 m=38
